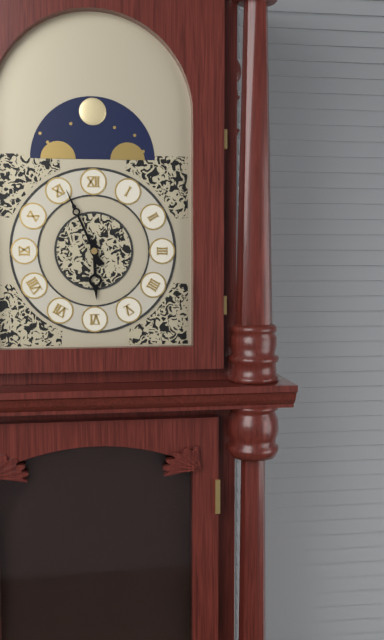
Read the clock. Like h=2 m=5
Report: h=5 m=56
